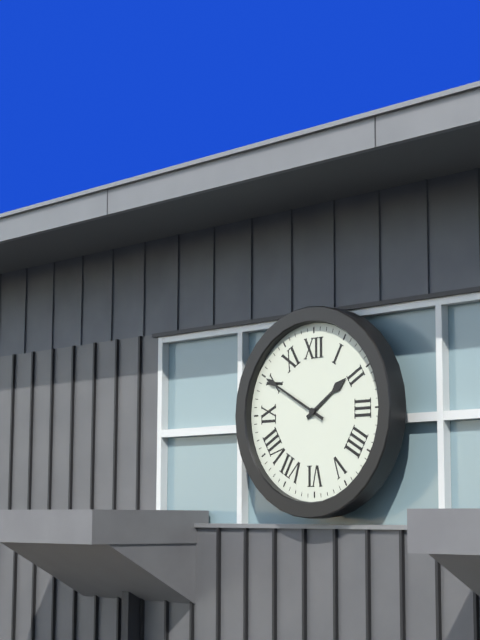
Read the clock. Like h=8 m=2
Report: h=1 m=50
